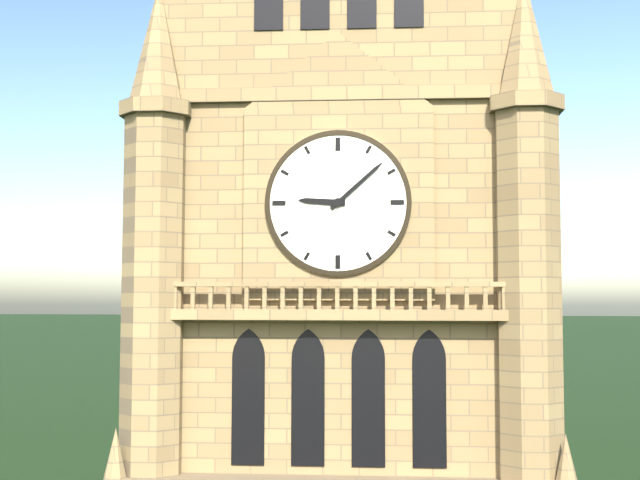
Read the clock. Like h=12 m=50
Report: h=9 m=8
